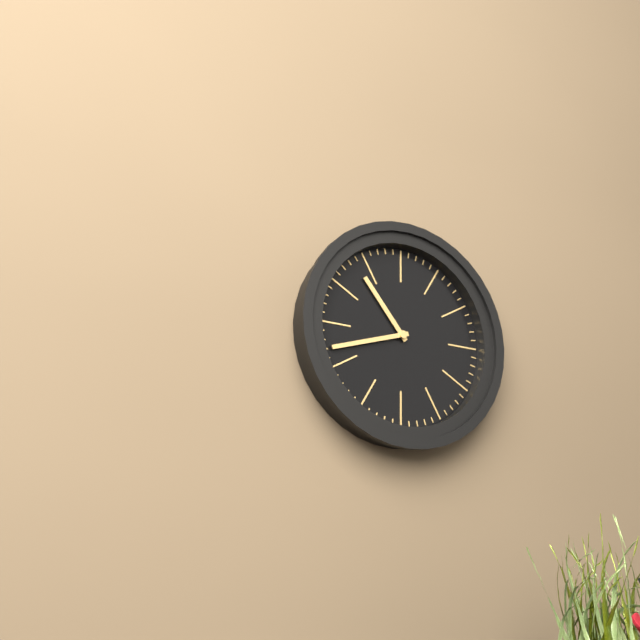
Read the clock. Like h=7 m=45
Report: h=10 m=42
